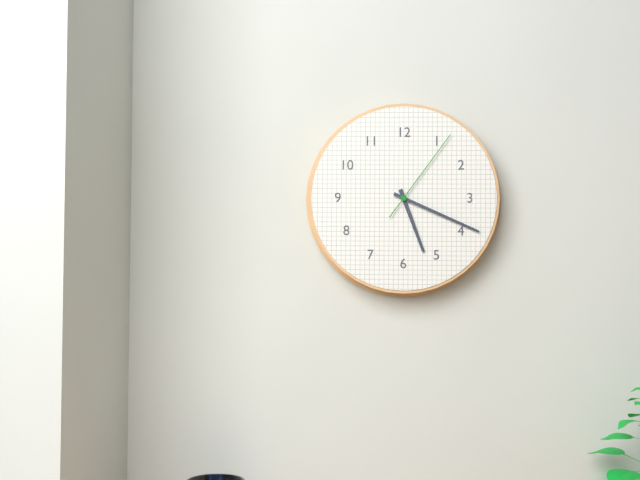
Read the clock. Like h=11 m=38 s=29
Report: h=5 m=19 s=6
